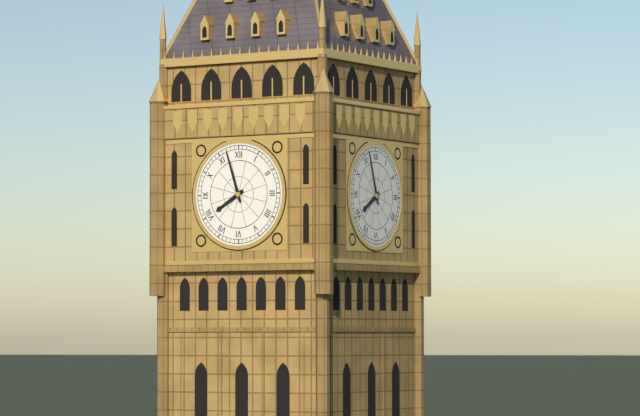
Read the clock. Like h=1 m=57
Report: h=7 m=57
